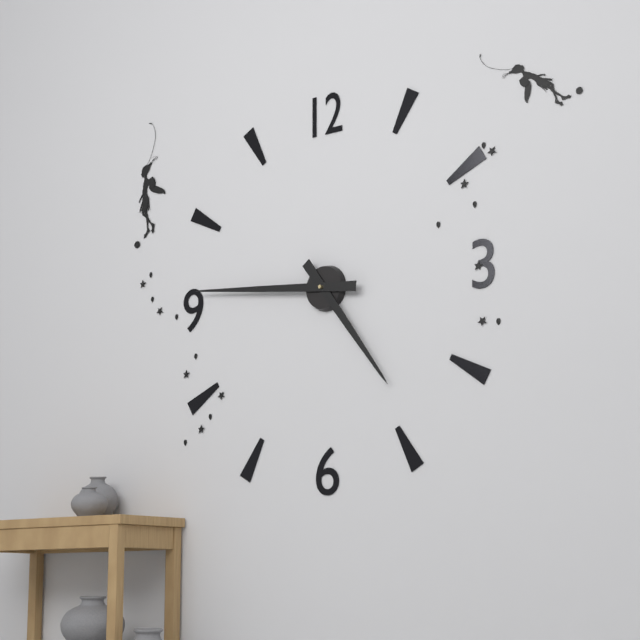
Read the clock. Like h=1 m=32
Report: h=4 m=46
